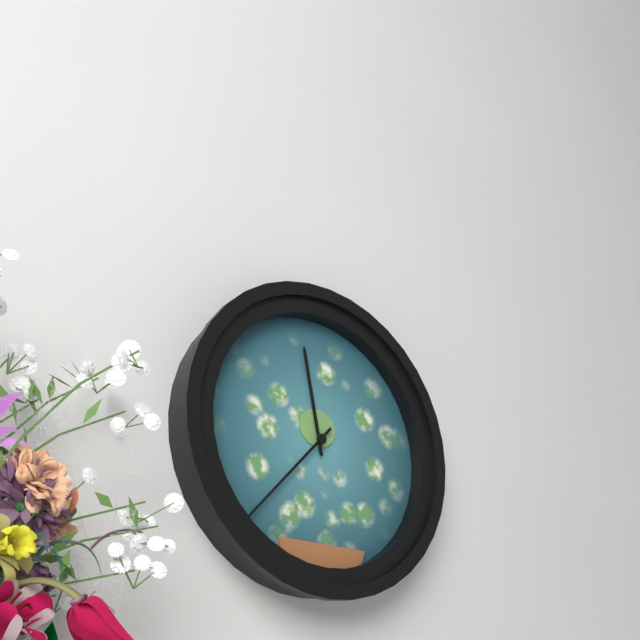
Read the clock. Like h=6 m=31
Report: h=11 m=37
